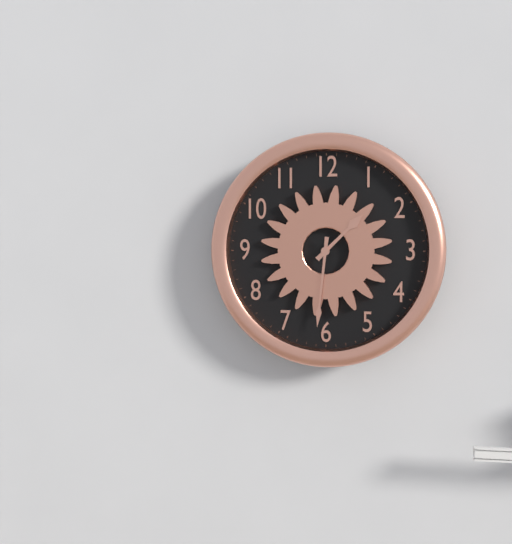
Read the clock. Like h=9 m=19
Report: h=1 m=31
